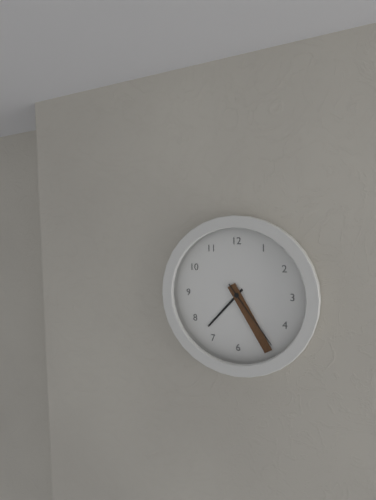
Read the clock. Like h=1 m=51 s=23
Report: h=7 m=25 s=24
